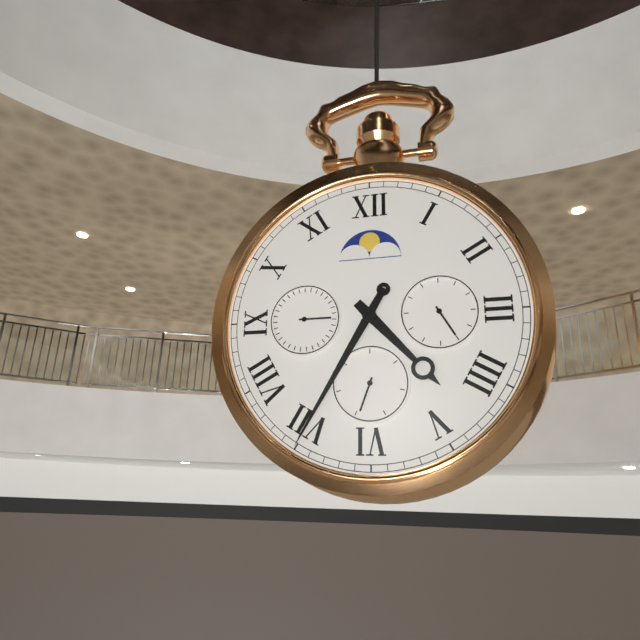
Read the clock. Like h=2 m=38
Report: h=4 m=35
